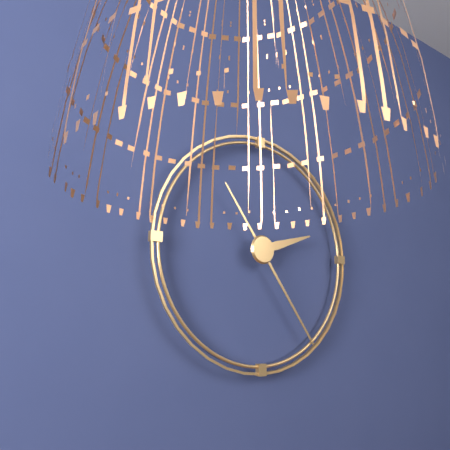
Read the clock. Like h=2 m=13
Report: h=2 m=24
